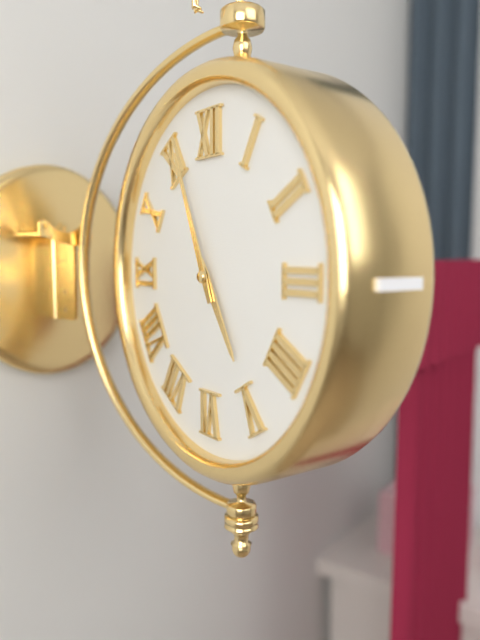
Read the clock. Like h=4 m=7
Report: h=4 m=56
